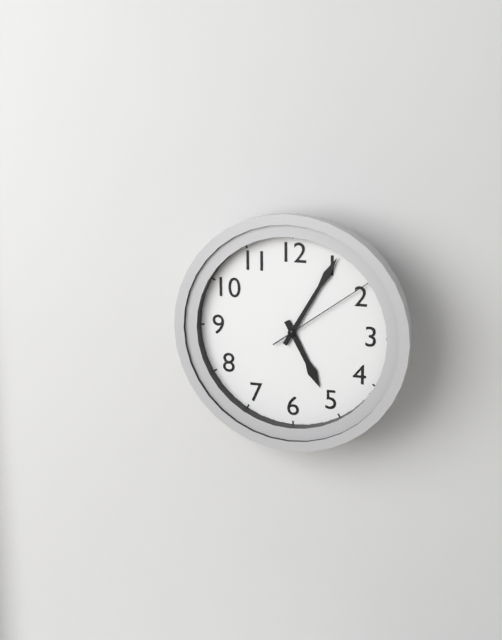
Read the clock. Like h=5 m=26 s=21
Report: h=5 m=5 s=9
